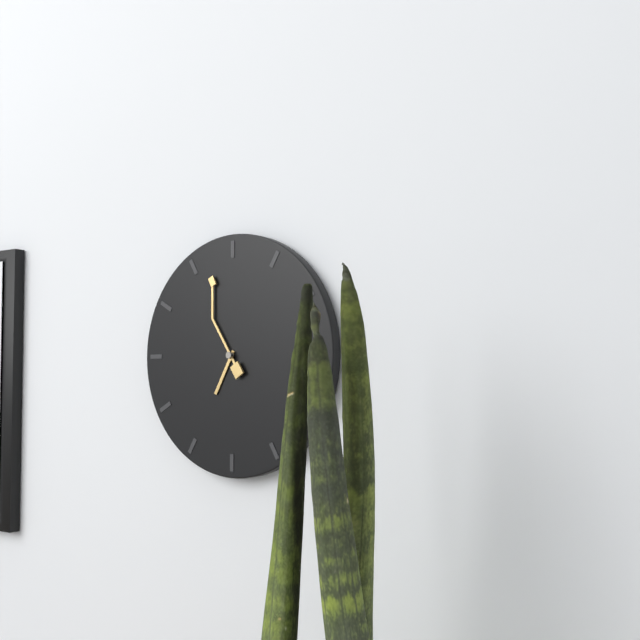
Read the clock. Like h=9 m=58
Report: h=6 m=57
